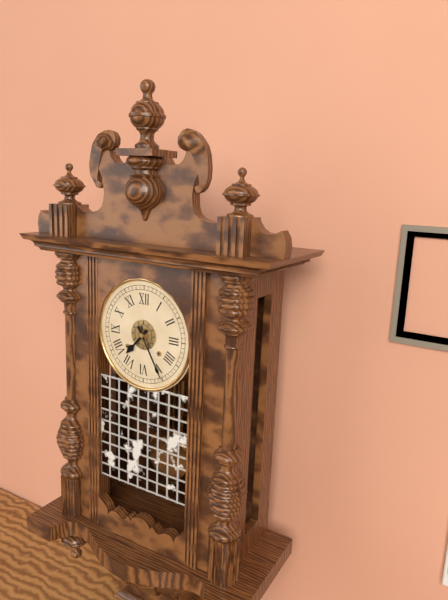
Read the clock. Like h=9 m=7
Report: h=7 m=25
